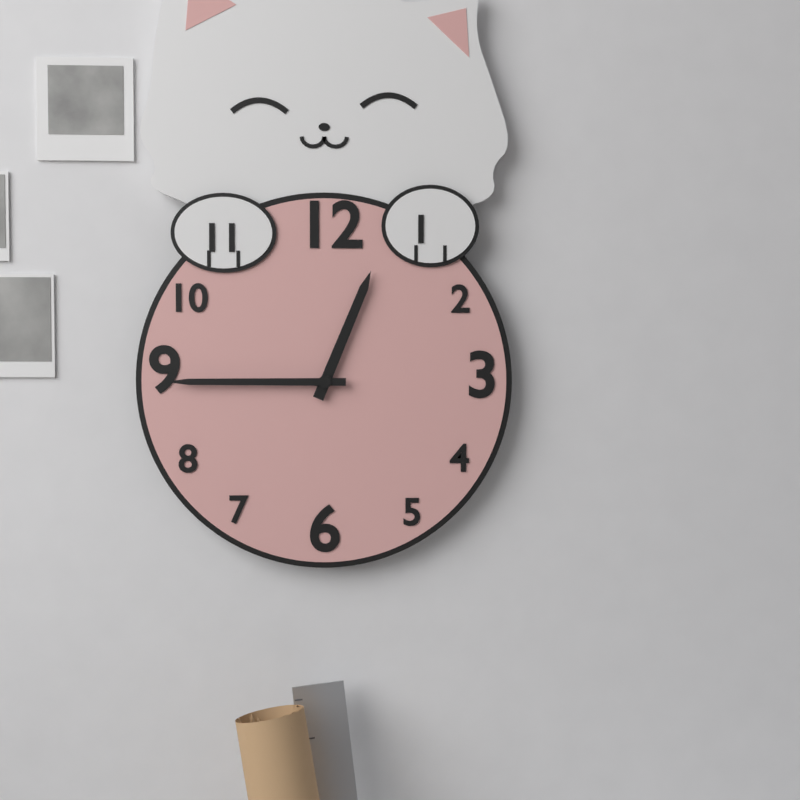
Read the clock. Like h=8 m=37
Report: h=12 m=45
